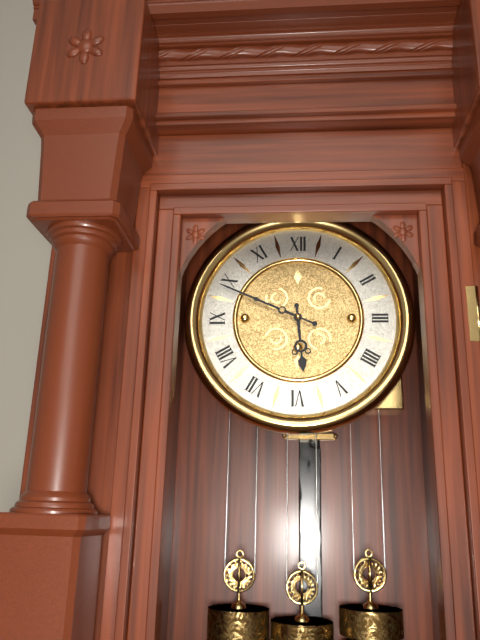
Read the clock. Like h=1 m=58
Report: h=5 m=49
